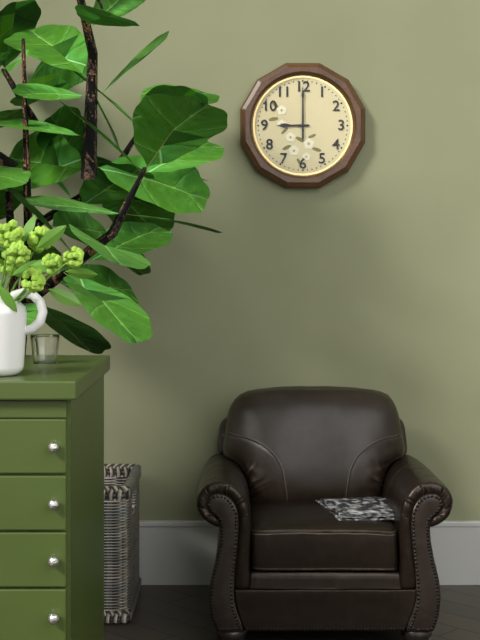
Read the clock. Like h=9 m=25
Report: h=9 m=0
